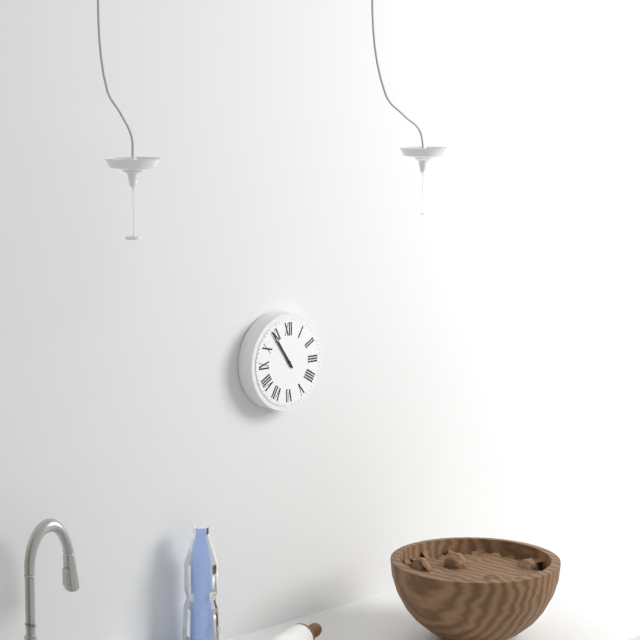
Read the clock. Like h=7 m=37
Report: h=10 m=54
